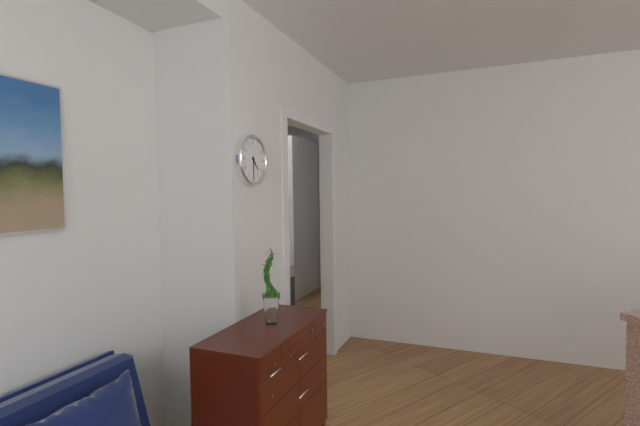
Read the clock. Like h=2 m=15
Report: h=4 m=30
